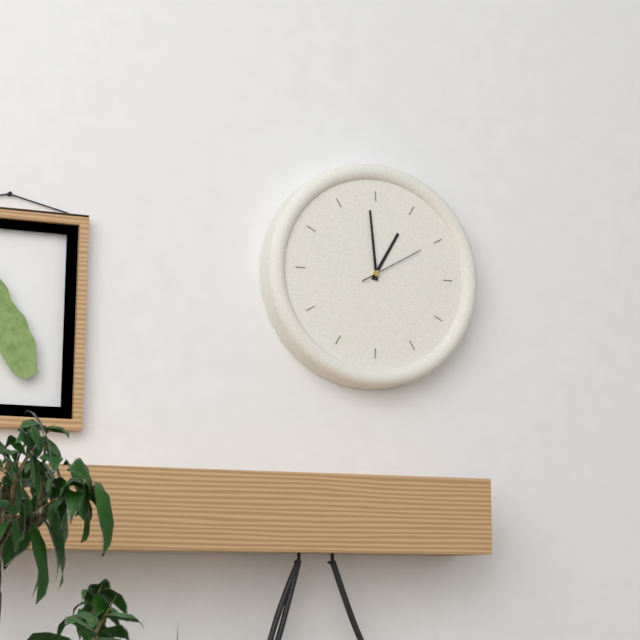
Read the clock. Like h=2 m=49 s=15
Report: h=12 m=59 s=10
